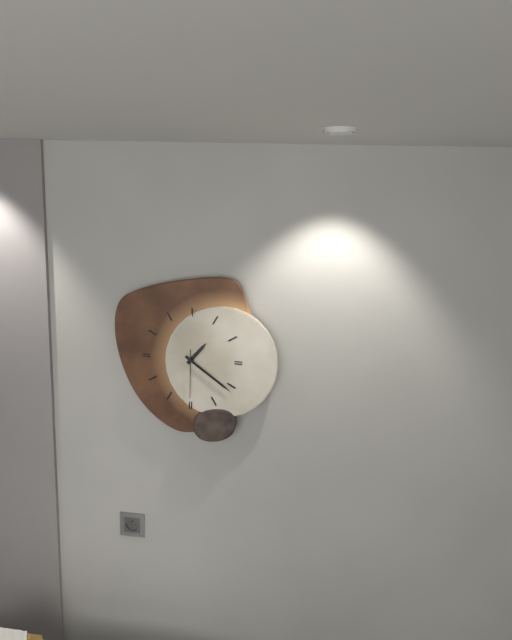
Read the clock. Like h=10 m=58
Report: h=1 m=21
